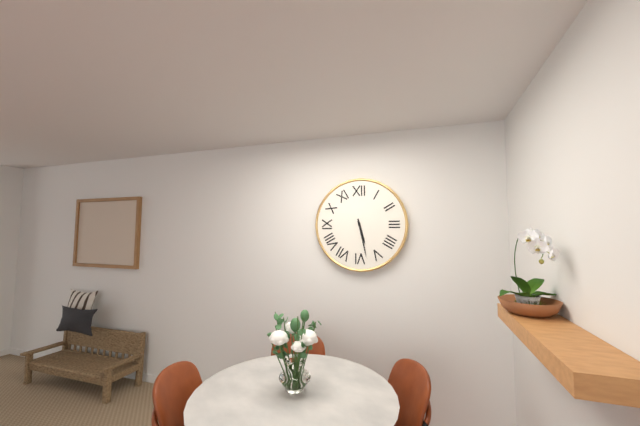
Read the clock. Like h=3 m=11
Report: h=5 m=28
